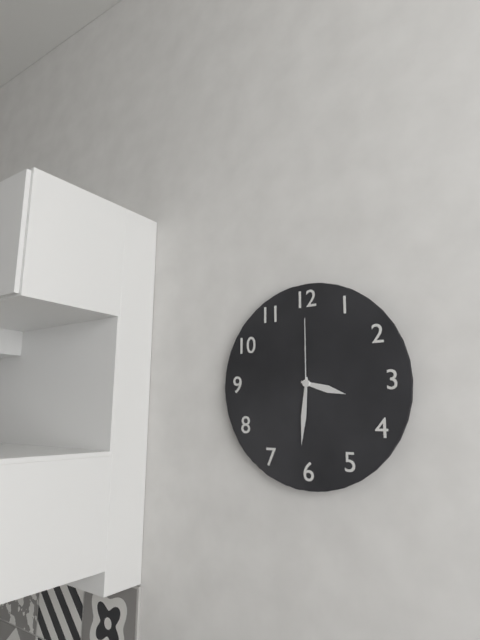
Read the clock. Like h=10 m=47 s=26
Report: h=3 m=31 s=0
